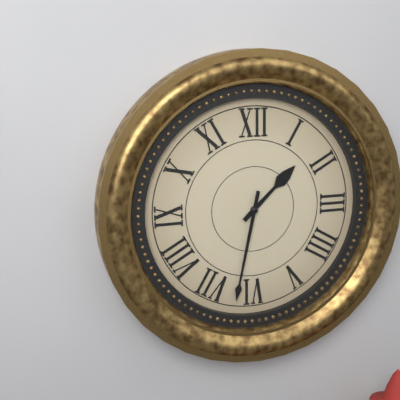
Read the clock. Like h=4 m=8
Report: h=1 m=32
